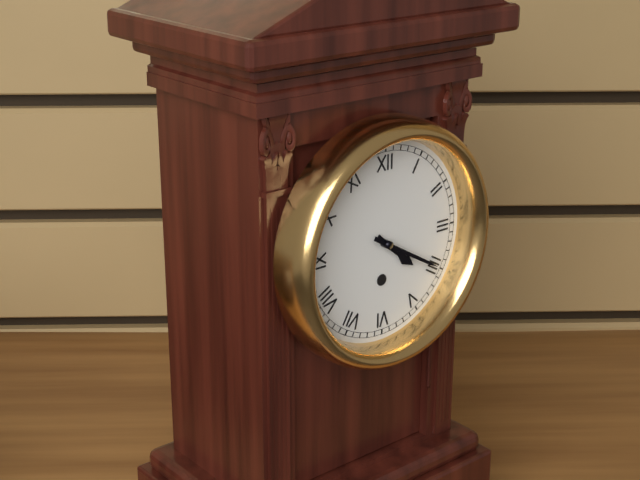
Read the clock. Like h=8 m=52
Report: h=4 m=20
